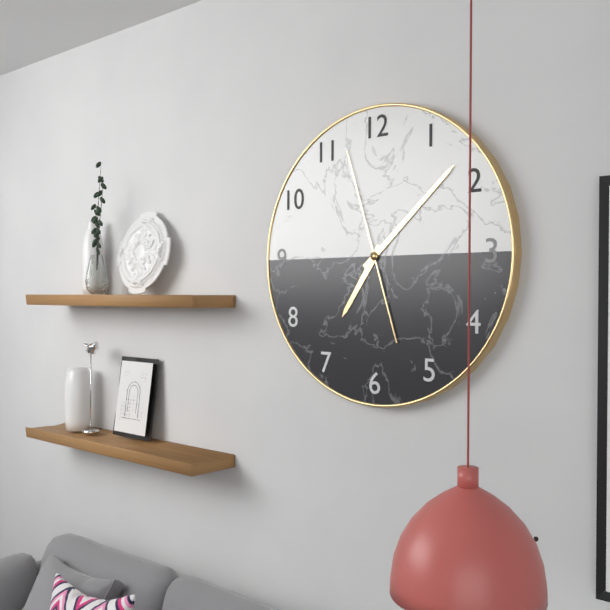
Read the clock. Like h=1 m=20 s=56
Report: h=7 m=8 s=57
